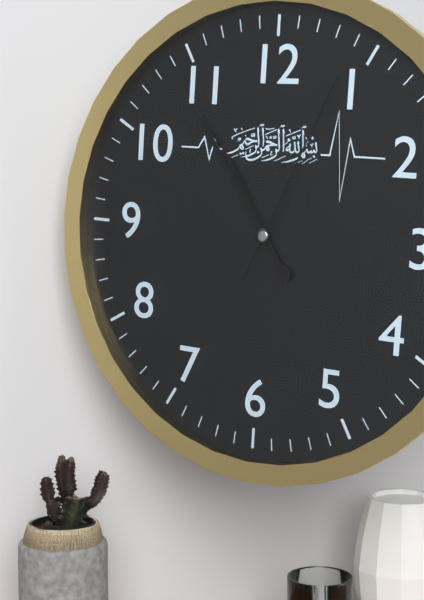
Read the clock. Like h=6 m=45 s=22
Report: h=10 m=54 s=4
